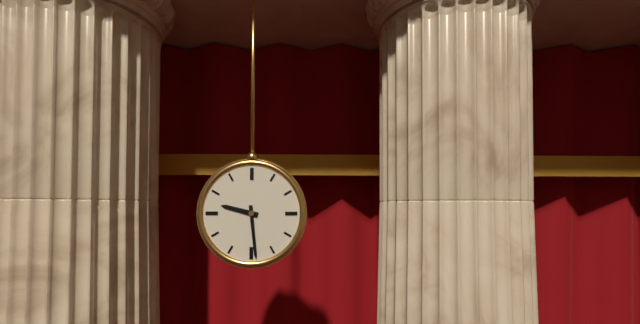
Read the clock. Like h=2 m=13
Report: h=9 m=29
